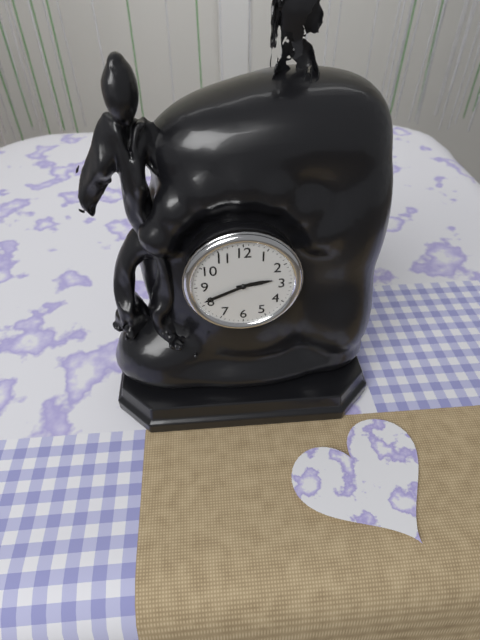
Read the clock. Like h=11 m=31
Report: h=2 m=41
